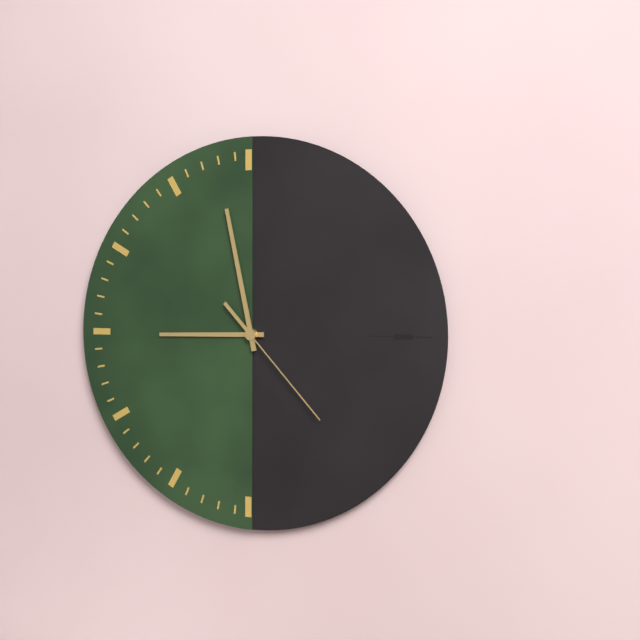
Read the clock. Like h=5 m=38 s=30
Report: h=8 m=58 s=23
